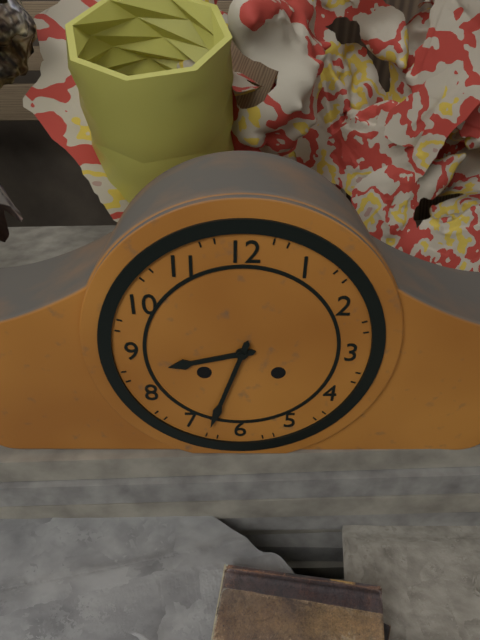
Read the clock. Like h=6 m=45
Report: h=8 m=33
